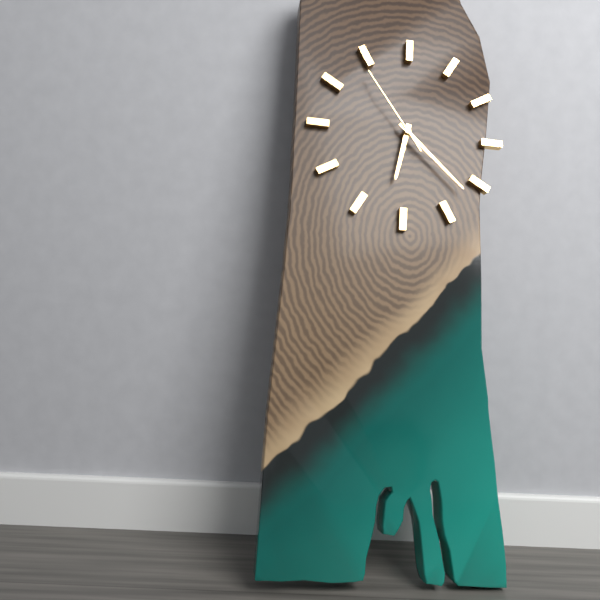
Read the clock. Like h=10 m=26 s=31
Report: h=6 m=22 s=54
